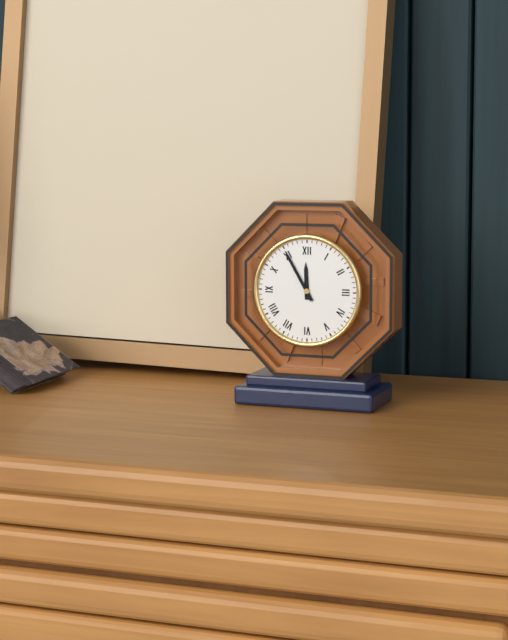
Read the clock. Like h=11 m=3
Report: h=11 m=55
